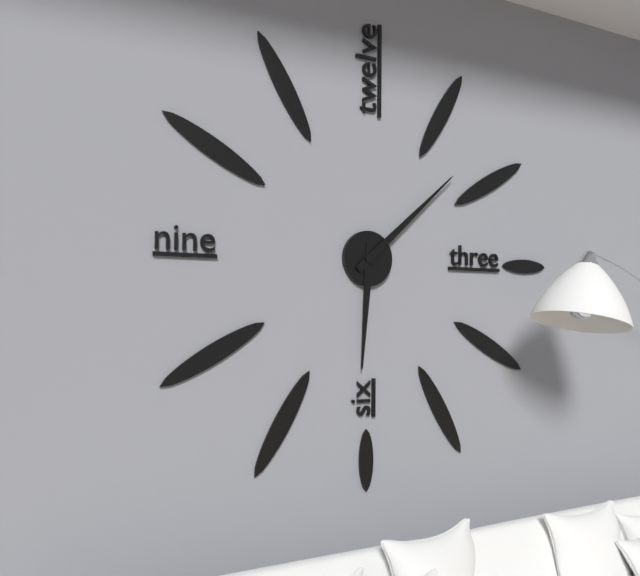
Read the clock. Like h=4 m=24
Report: h=6 m=8
